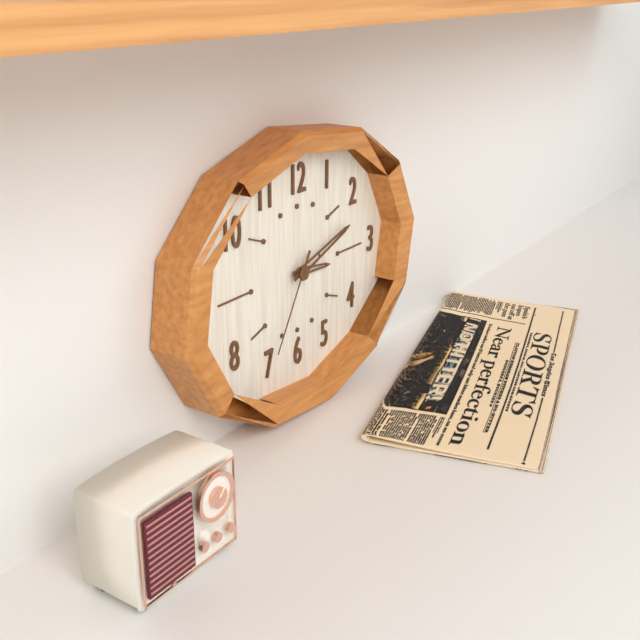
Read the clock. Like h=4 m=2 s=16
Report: h=3 m=12 s=35
